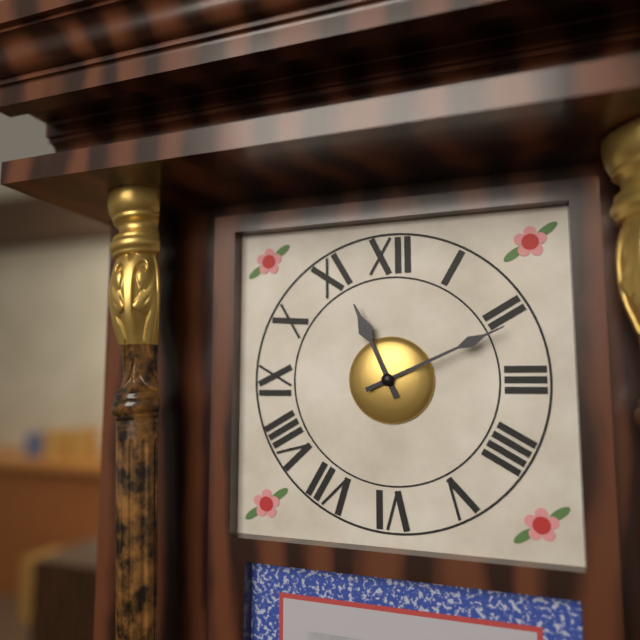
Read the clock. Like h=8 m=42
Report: h=11 m=11
